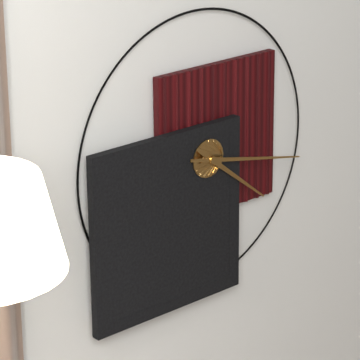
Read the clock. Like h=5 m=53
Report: h=4 m=17
